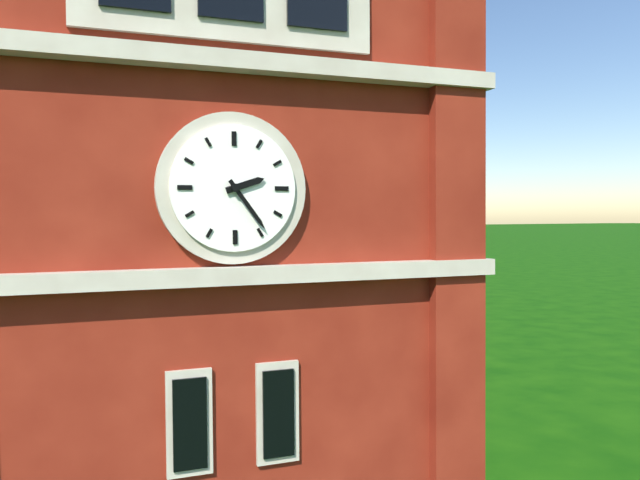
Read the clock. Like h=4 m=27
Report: h=2 m=24
